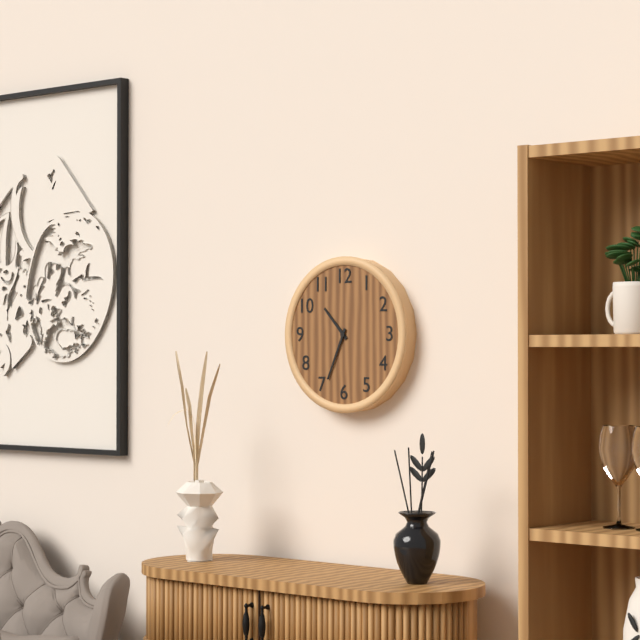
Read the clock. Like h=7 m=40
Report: h=10 m=34
